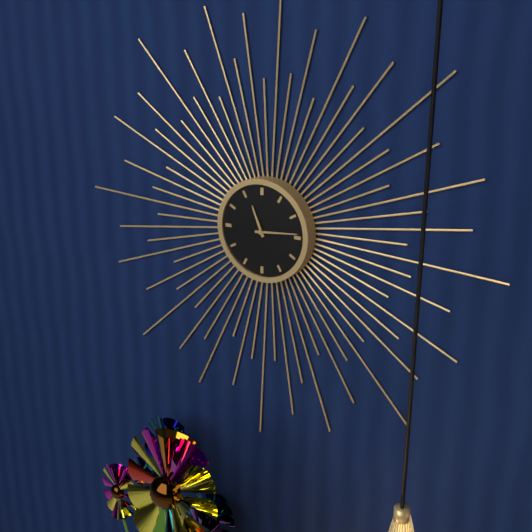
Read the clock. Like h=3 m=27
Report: h=11 m=14
